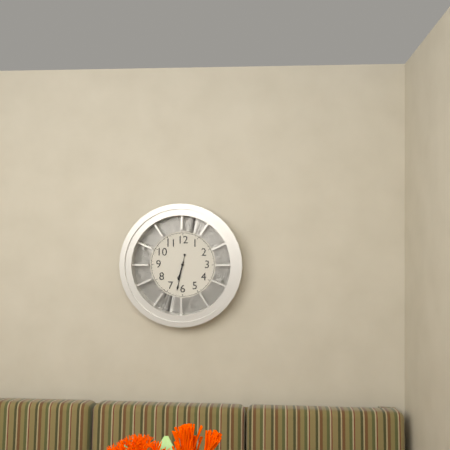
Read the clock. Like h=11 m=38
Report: h=6 m=32
